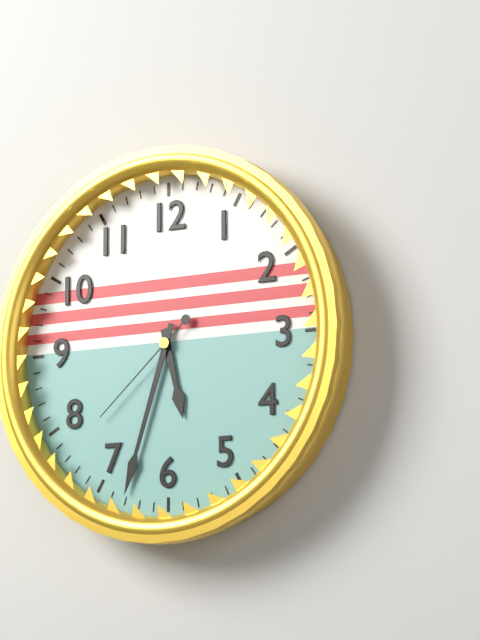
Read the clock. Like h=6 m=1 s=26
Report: h=5 m=33 s=38
